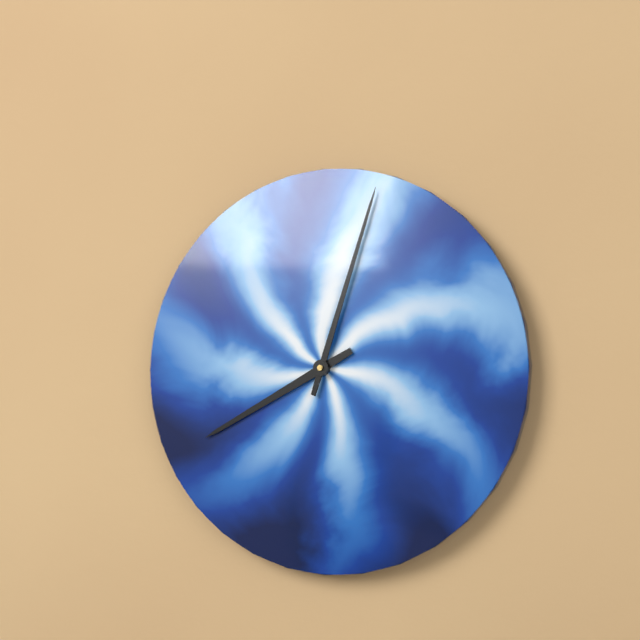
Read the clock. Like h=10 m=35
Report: h=8 m=3
